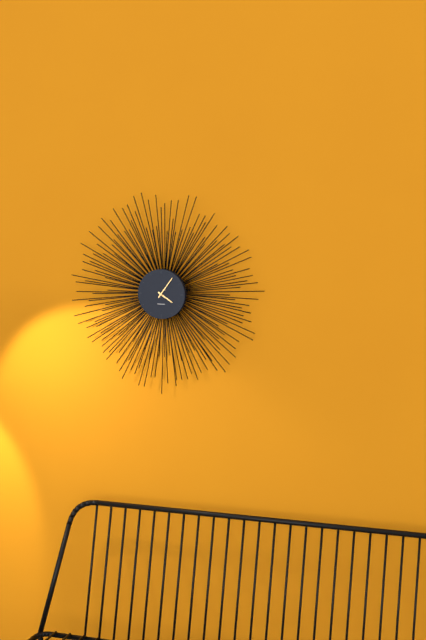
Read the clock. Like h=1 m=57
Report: h=4 m=6
